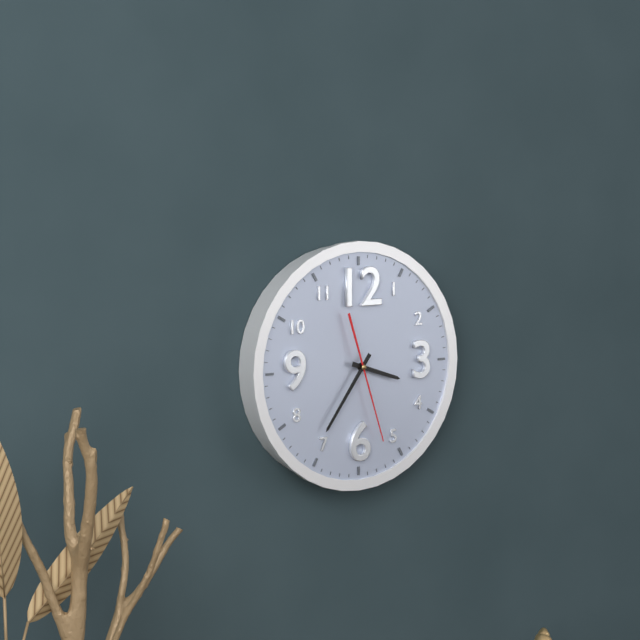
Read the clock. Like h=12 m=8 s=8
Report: h=3 m=36 s=27
